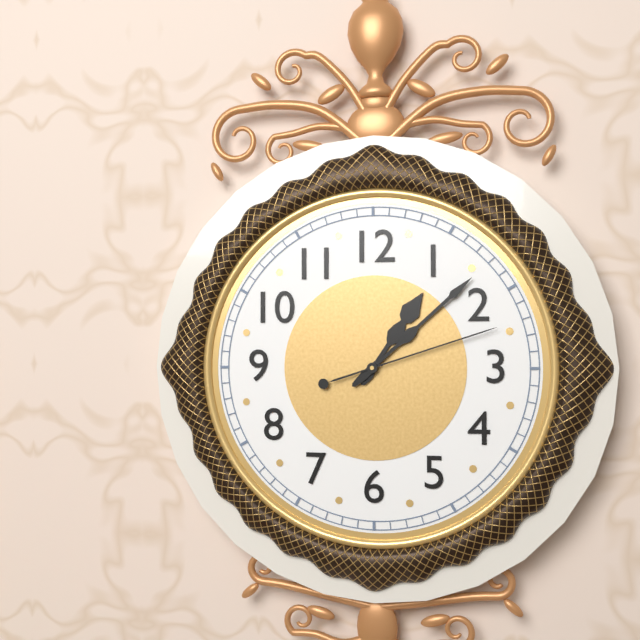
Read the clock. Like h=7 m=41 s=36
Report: h=1 m=8 s=12
